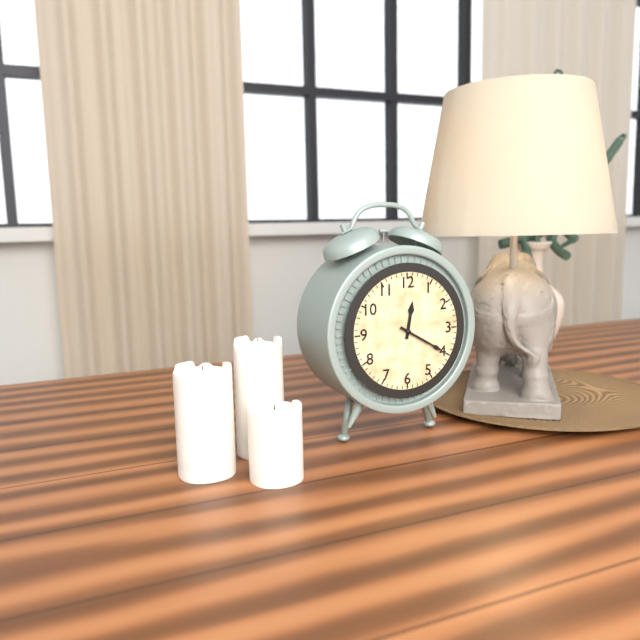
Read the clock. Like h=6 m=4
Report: h=12 m=20
